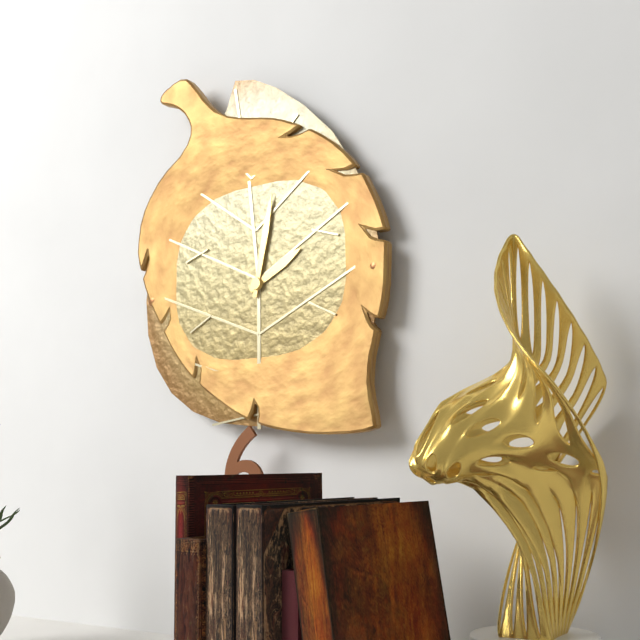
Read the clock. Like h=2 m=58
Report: h=2 m=2
